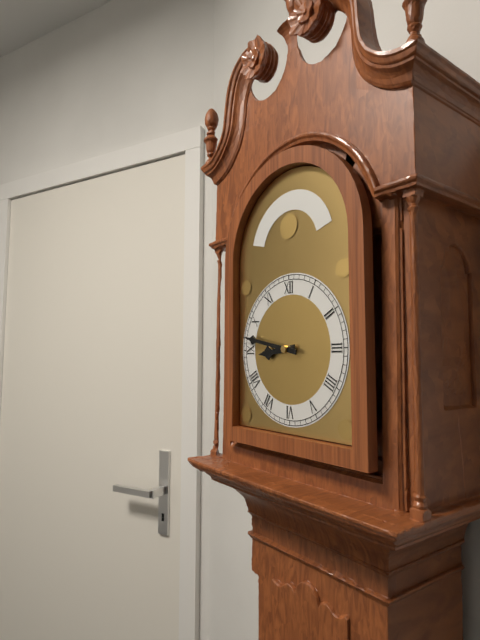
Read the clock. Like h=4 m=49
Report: h=8 m=47
